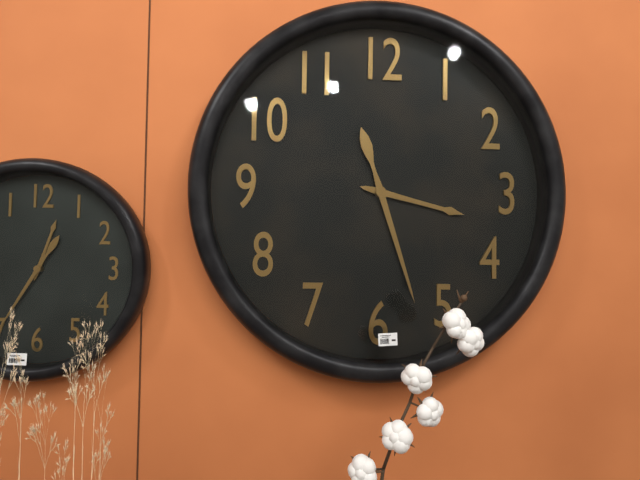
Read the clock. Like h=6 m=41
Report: h=3 m=27
